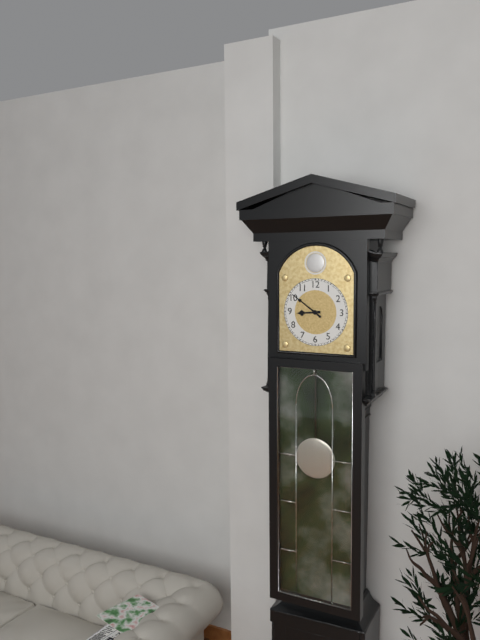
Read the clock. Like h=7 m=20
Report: h=8 m=51
